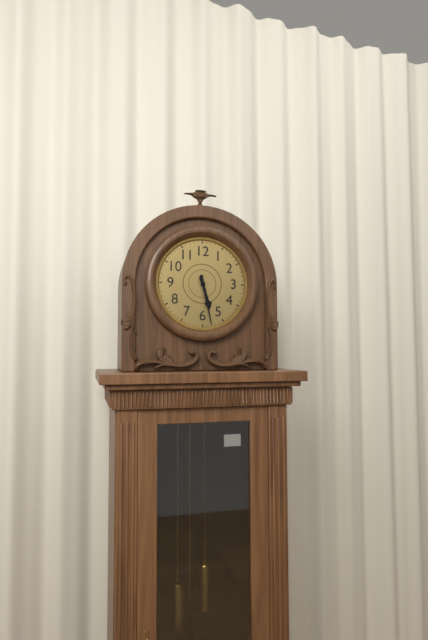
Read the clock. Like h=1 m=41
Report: h=5 m=28
